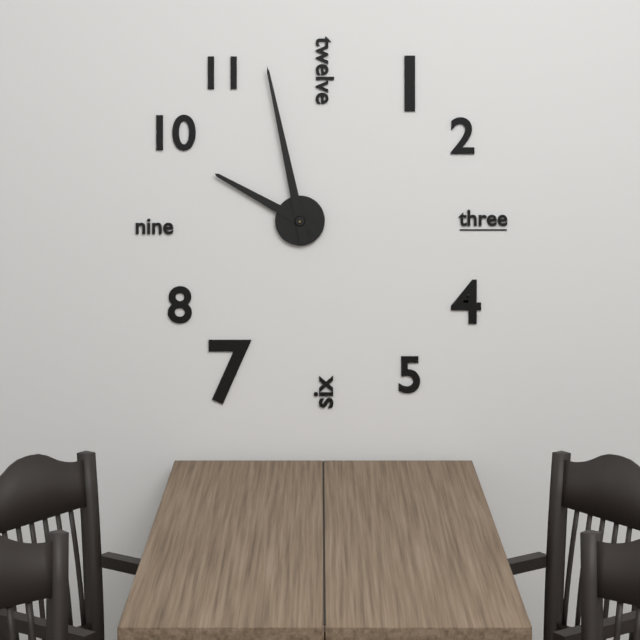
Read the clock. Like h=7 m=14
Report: h=9 m=58
